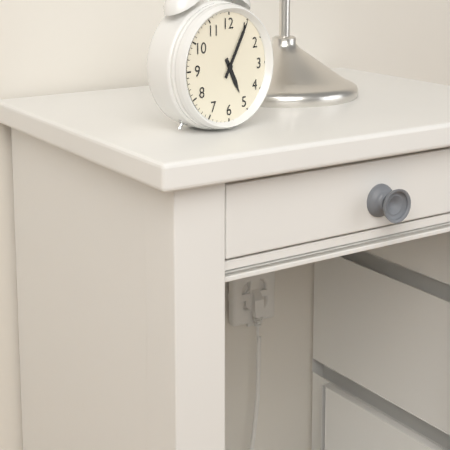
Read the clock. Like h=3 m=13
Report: h=5 m=5
